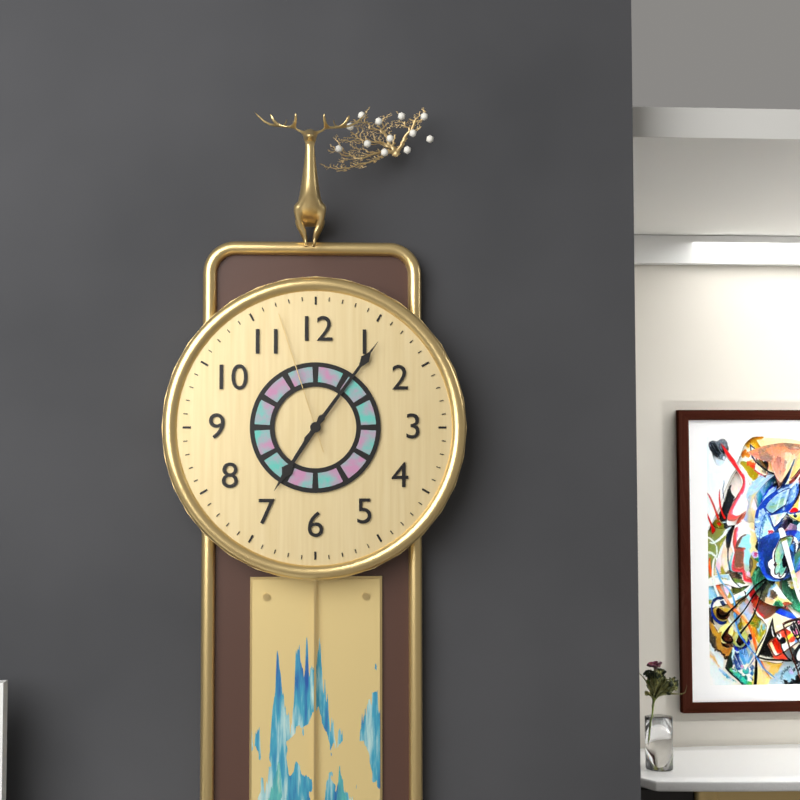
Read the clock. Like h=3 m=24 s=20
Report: h=7 m=6 s=57
